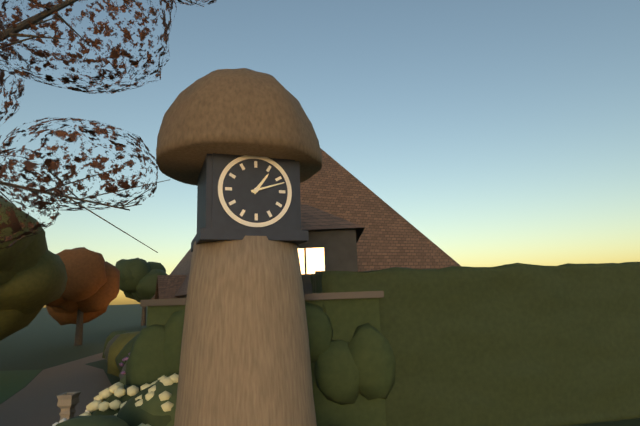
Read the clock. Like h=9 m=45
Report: h=1 m=12
